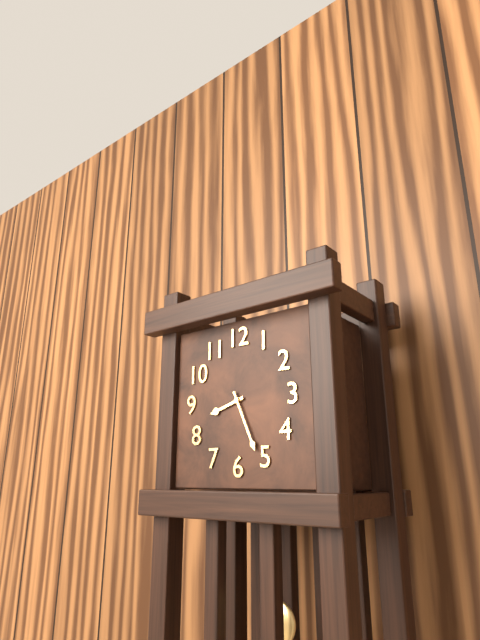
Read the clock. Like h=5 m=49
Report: h=8 m=26
